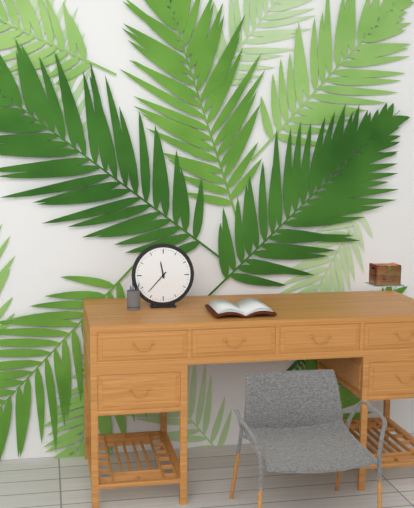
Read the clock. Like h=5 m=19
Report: h=11 m=37
